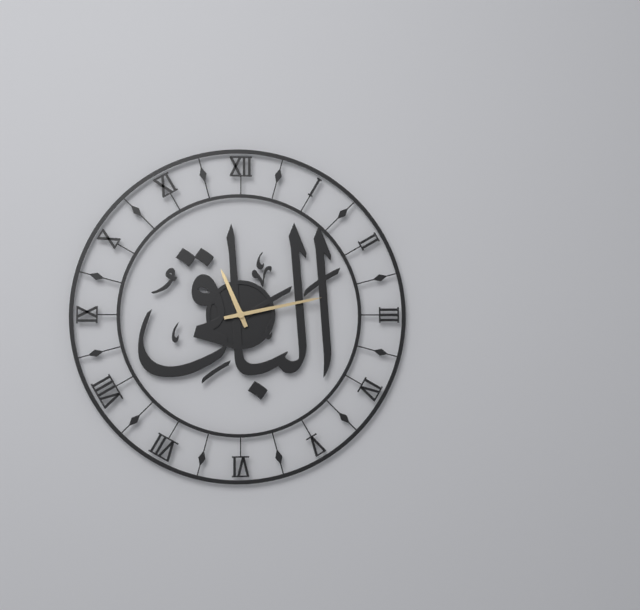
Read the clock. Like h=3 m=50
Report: h=11 m=13
